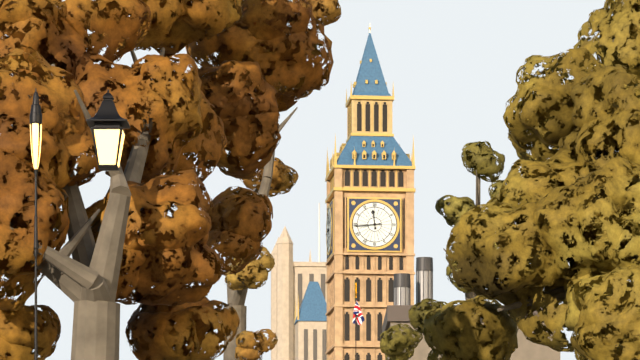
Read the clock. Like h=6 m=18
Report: h=11 m=44
